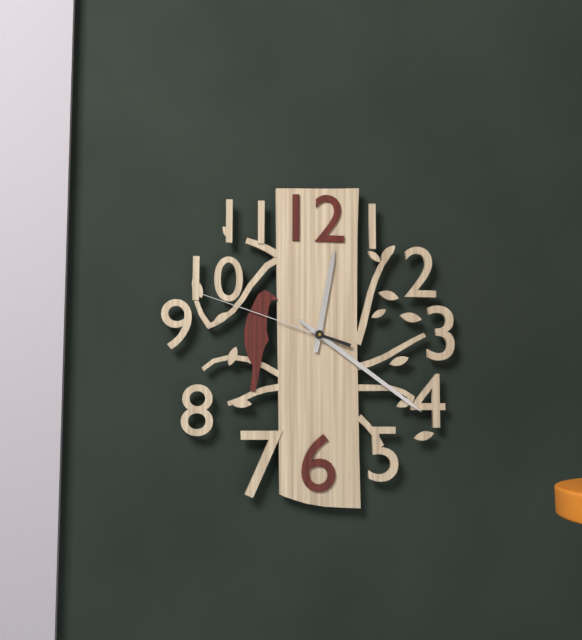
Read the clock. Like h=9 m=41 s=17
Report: h=12 m=21 s=48
